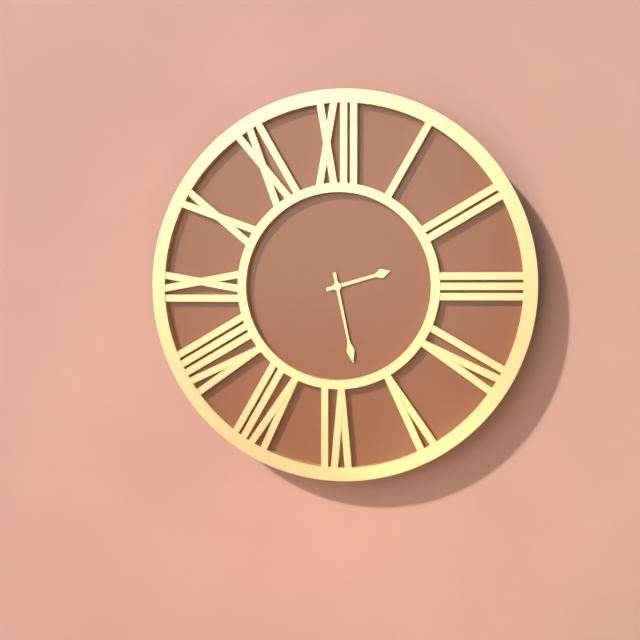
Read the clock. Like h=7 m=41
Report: h=2 m=28
